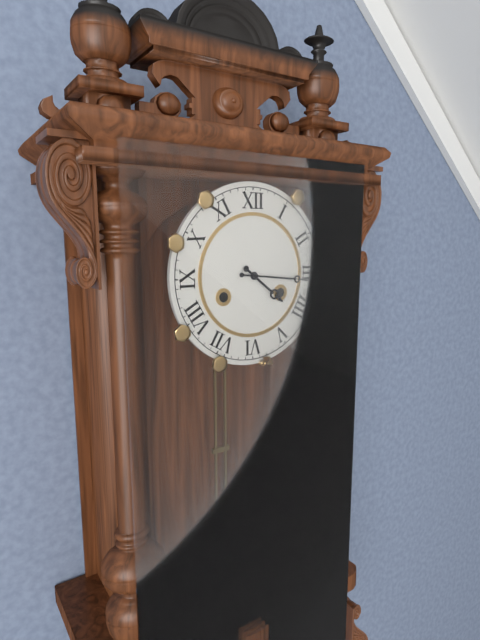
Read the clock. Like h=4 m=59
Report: h=4 m=16
